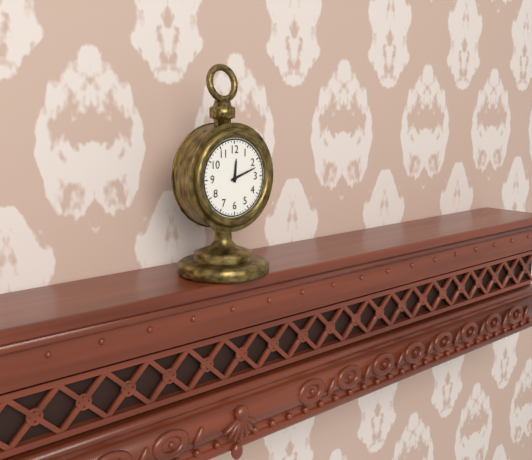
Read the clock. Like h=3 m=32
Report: h=12 m=12
